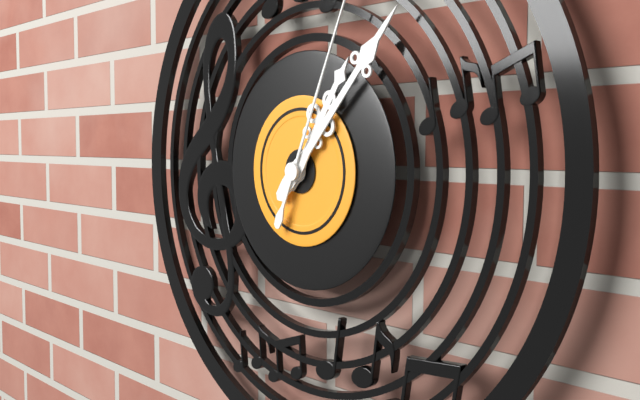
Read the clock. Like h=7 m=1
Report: h=1 m=7
